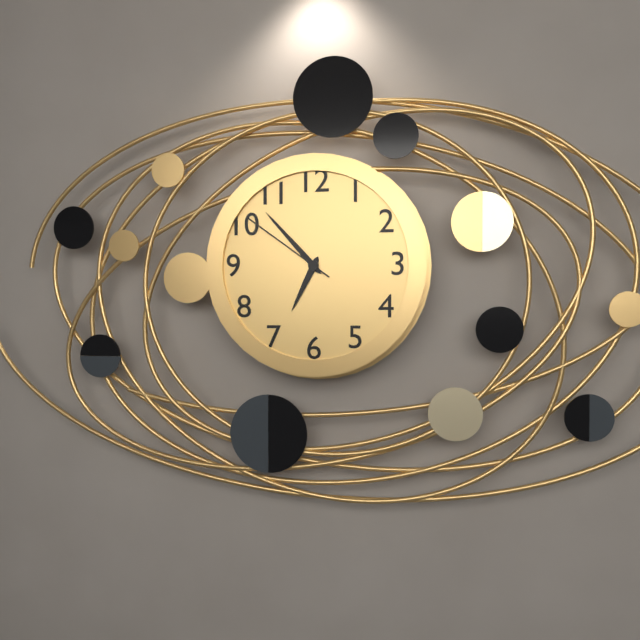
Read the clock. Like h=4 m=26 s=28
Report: h=6 m=53 s=51
